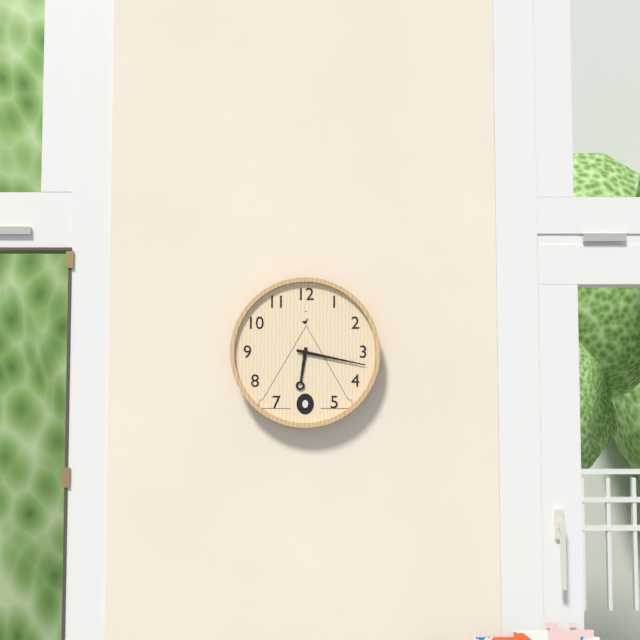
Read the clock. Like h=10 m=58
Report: h=6 m=17
